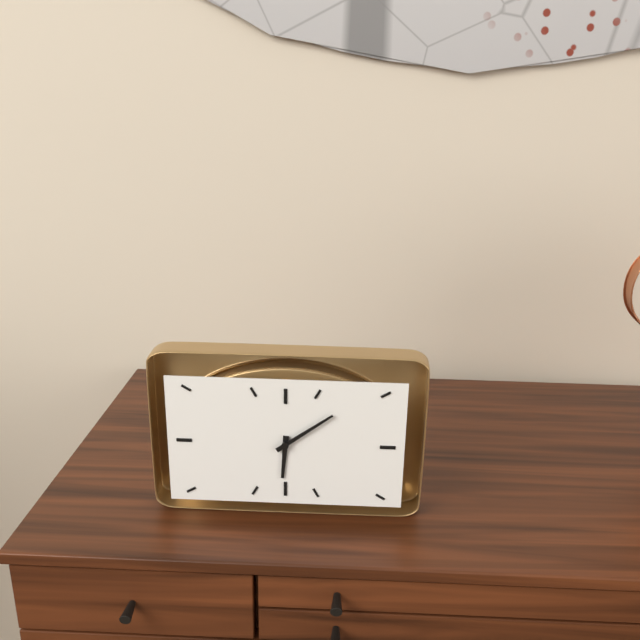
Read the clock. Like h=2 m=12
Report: h=6 m=9
